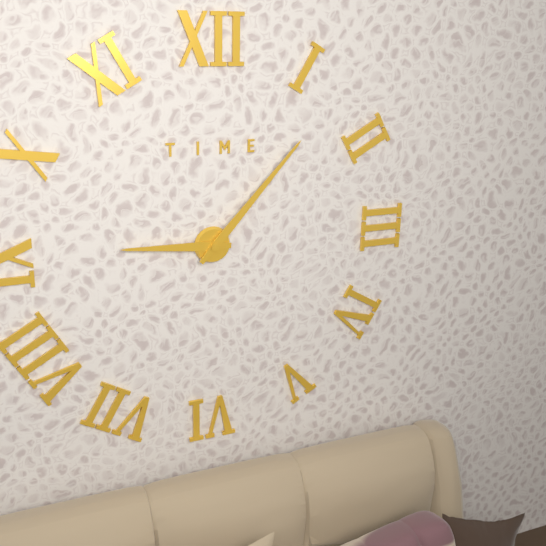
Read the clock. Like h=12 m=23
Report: h=9 m=7
